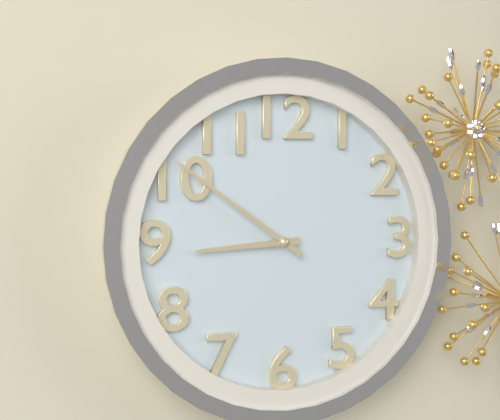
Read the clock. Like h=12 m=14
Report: h=8 m=51
